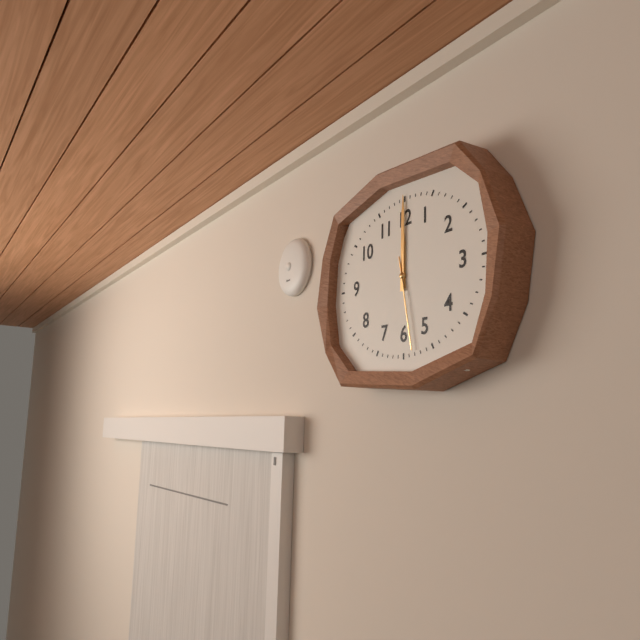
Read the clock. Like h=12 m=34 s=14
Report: h=12 m=0 s=28
